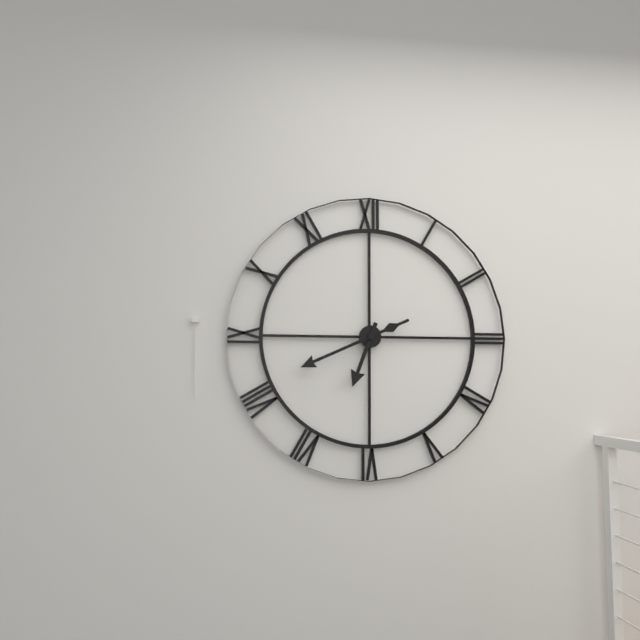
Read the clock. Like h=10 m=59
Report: h=6 m=41
